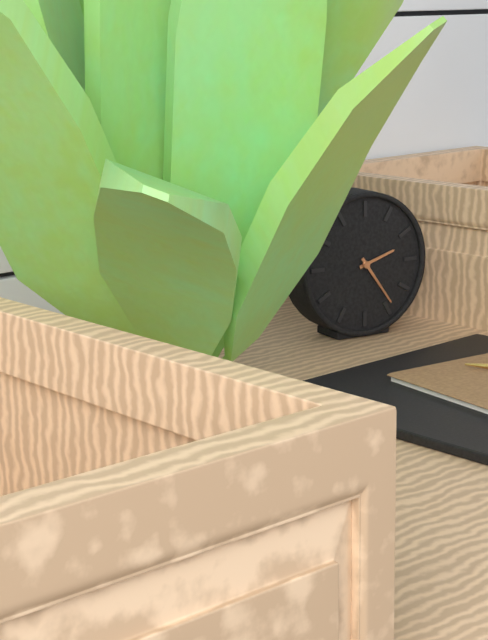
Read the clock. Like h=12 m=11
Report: h=2 m=24
